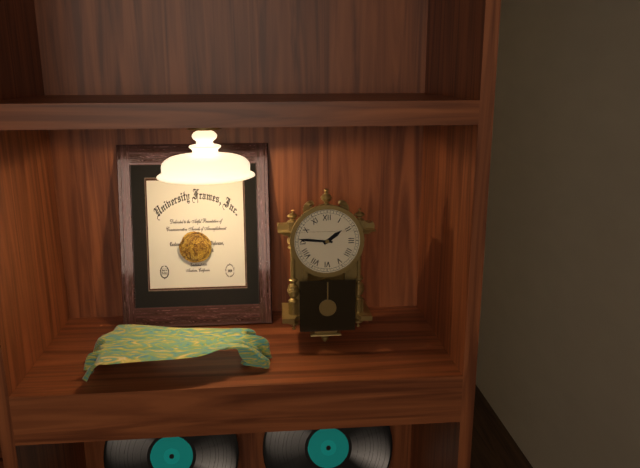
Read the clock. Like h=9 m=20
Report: h=1 m=46
